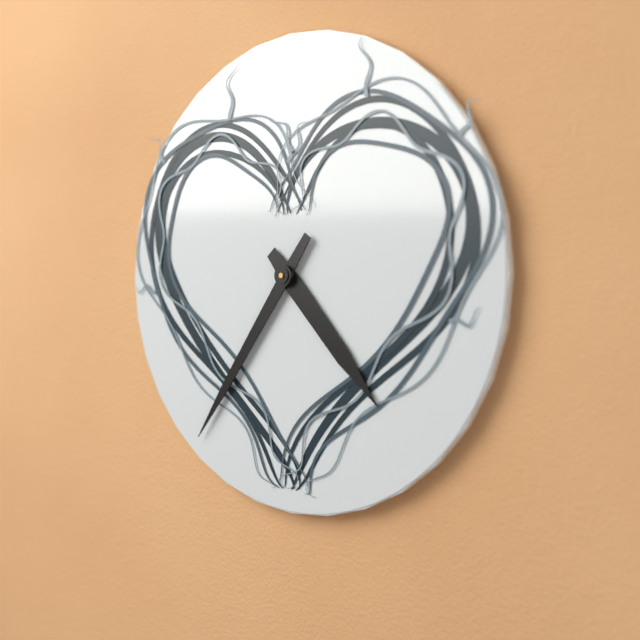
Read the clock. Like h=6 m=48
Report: h=4 m=36
